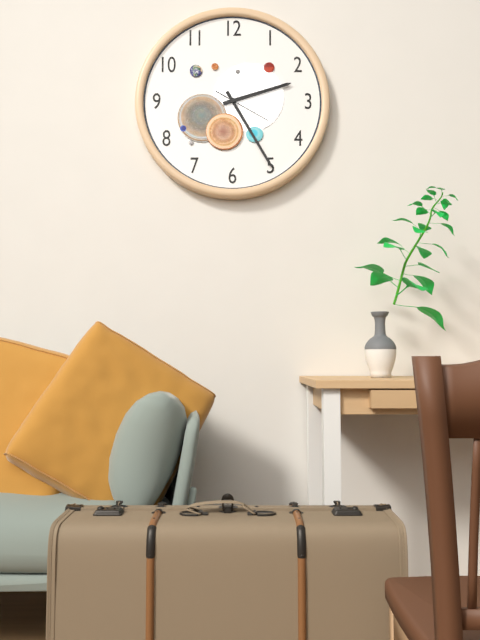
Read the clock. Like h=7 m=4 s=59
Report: h=2 m=25 s=20
